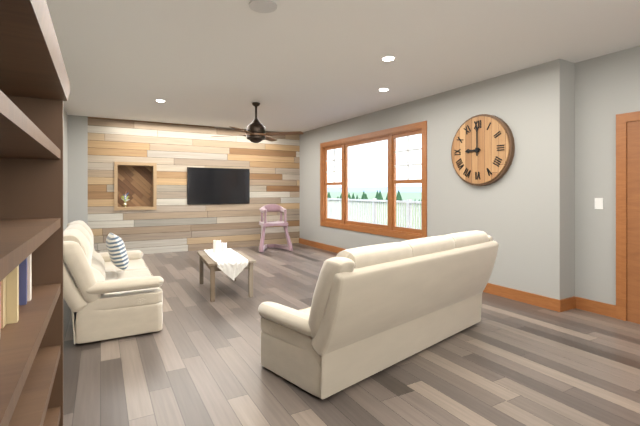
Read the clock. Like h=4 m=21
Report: h=9 m=0
